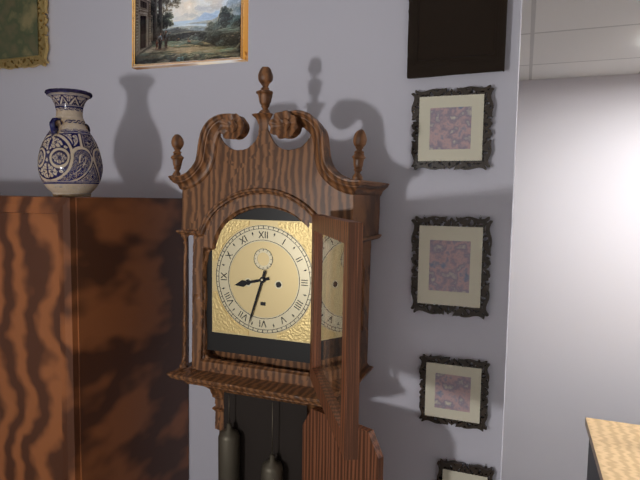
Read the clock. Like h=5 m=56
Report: h=8 m=33
